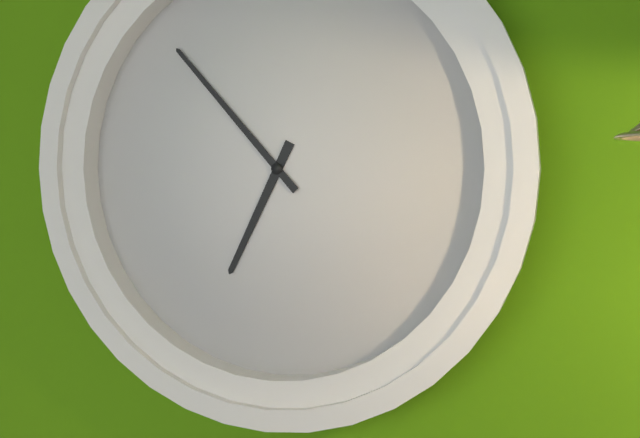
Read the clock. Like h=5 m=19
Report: h=6 m=53
